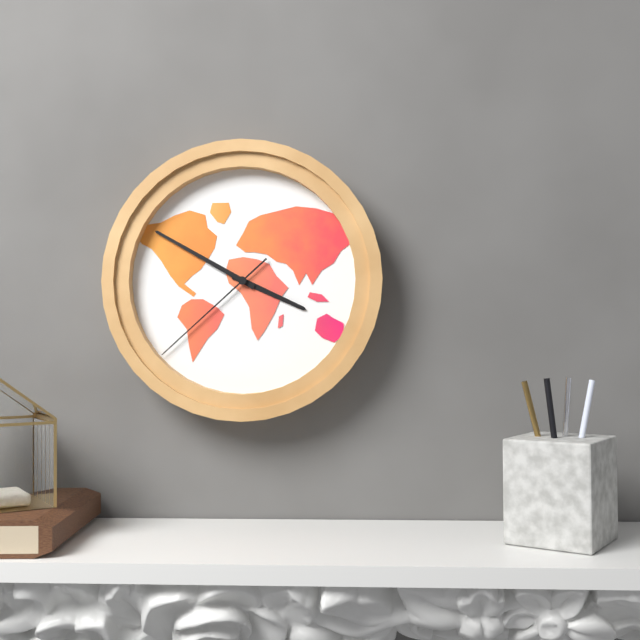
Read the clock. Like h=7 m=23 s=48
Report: h=3 m=50 s=38
